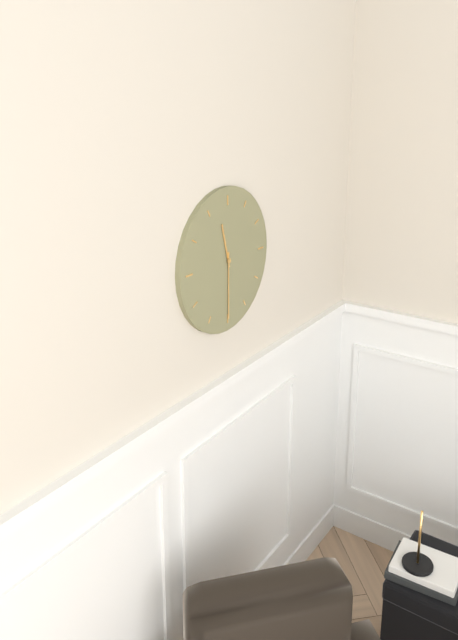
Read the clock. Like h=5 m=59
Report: h=11 m=30
